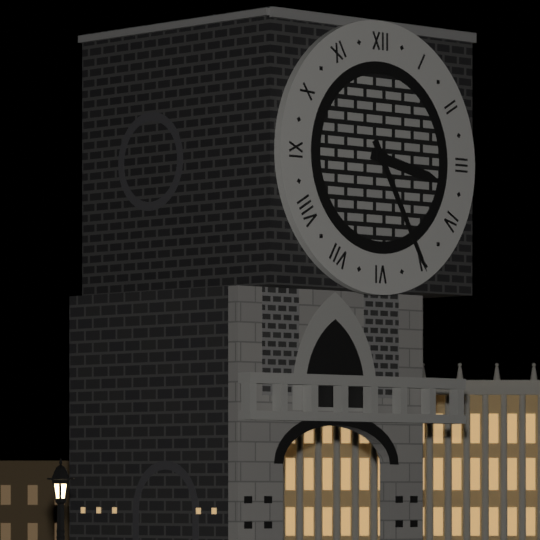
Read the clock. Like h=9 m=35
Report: h=3 m=25
